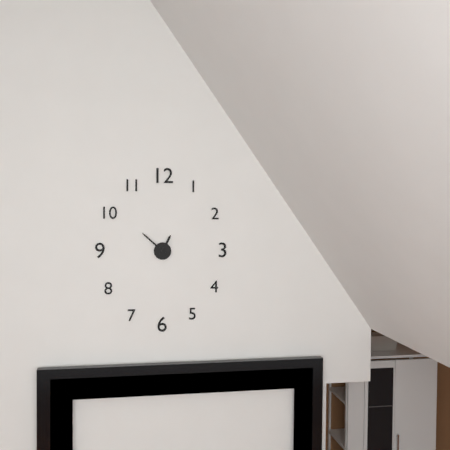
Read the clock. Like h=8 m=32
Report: h=12 m=52
